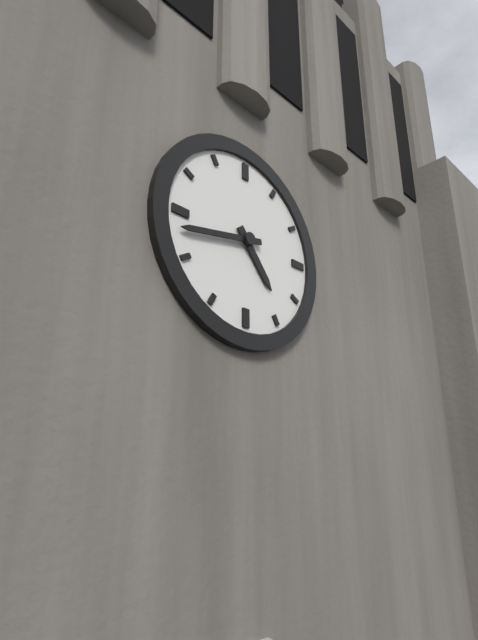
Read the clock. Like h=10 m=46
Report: h=4 m=43
